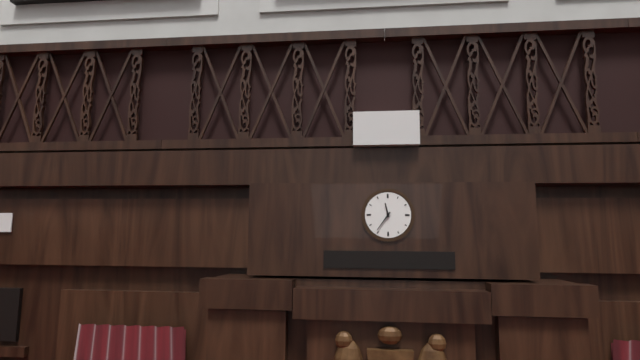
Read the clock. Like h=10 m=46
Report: h=11 m=36
